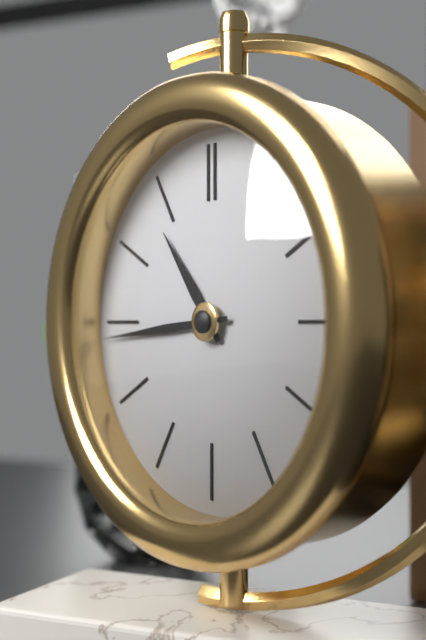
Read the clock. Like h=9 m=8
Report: h=10 m=44
